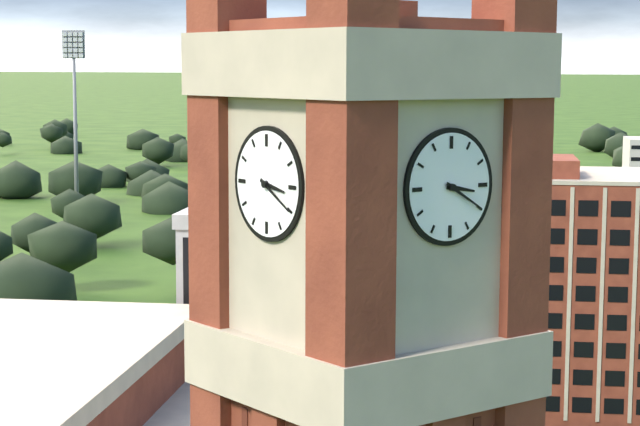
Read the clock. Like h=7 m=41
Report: h=3 m=20
